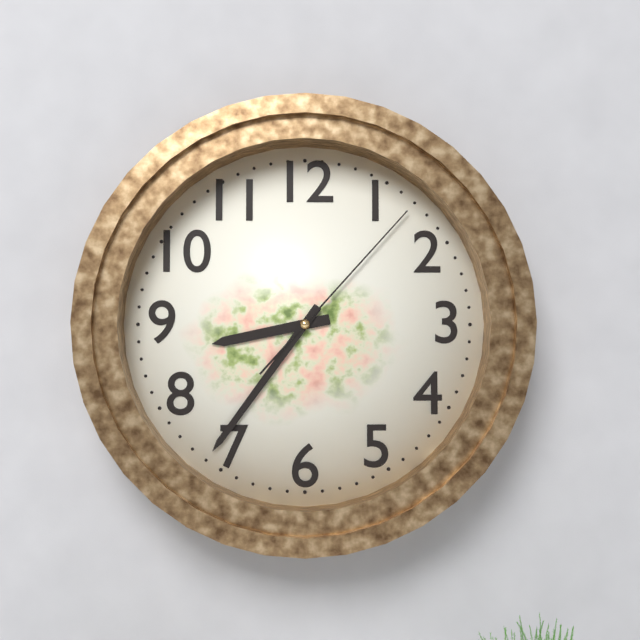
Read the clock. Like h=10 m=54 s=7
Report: h=8 m=36 s=7
